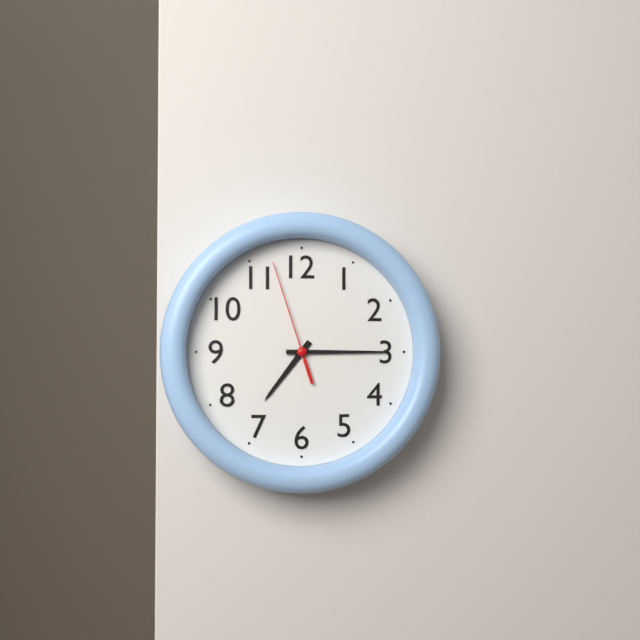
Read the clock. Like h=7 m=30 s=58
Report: h=7 m=15 s=57
